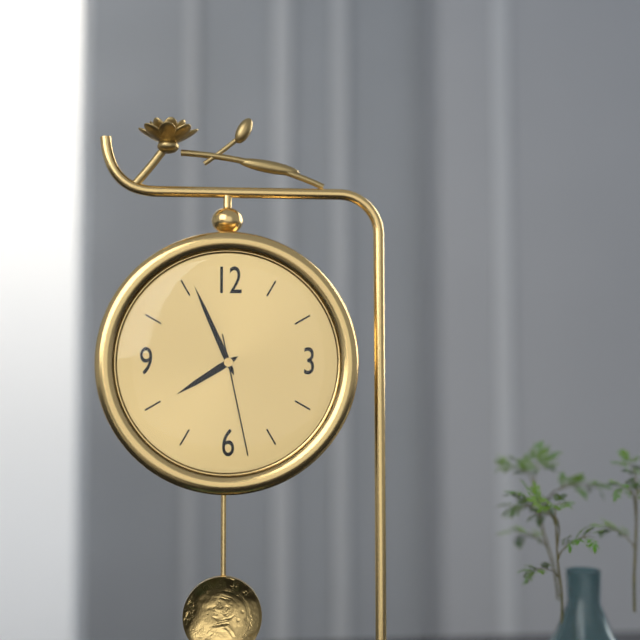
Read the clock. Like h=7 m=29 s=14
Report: h=7 m=56 s=28
